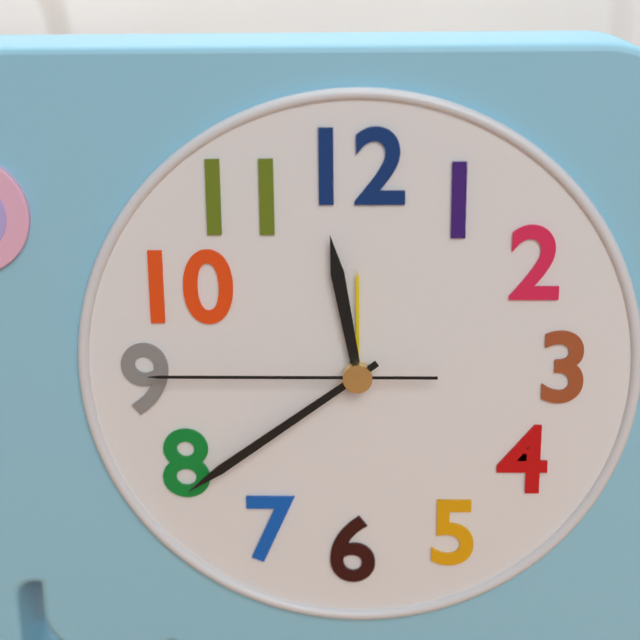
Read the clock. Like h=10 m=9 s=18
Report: h=11 m=39 s=45
